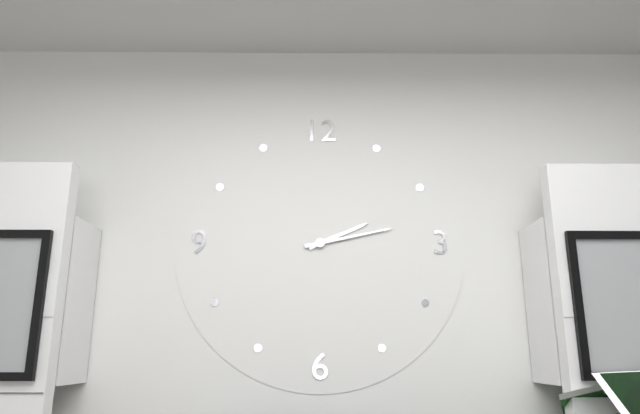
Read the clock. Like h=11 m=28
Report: h=2 m=13
